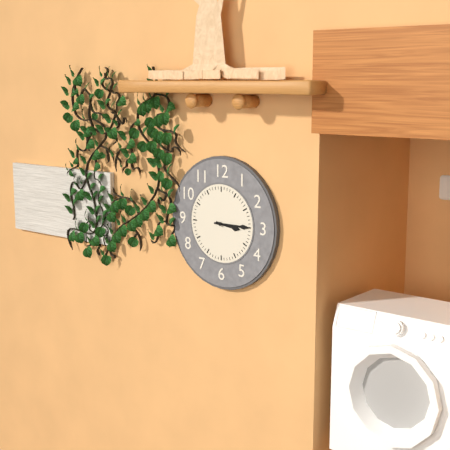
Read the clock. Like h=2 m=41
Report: h=3 m=15
